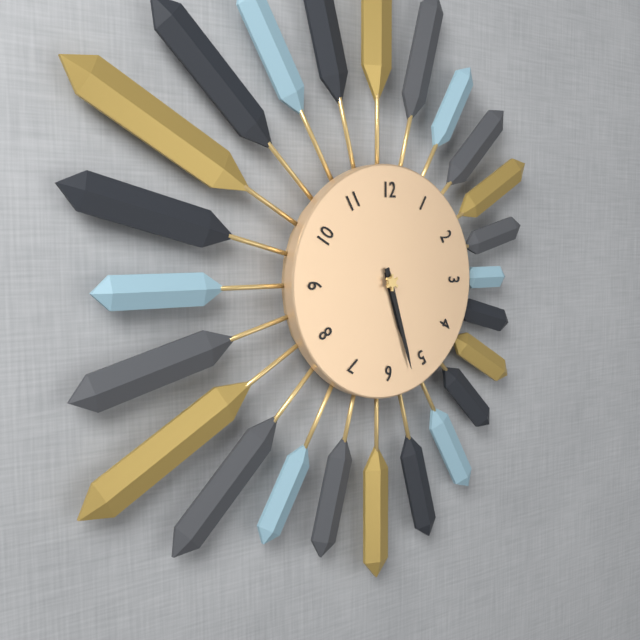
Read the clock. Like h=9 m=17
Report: h=5 m=27
